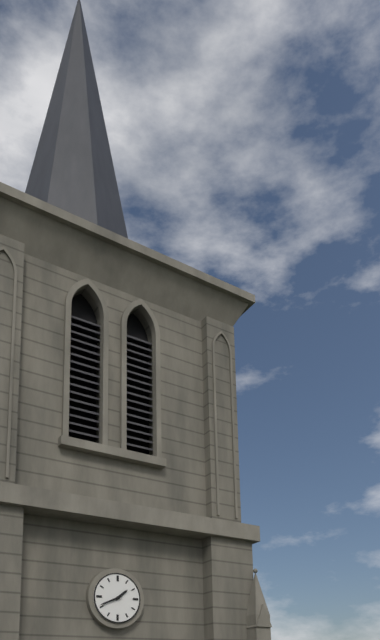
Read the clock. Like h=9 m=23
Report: h=1 m=41
